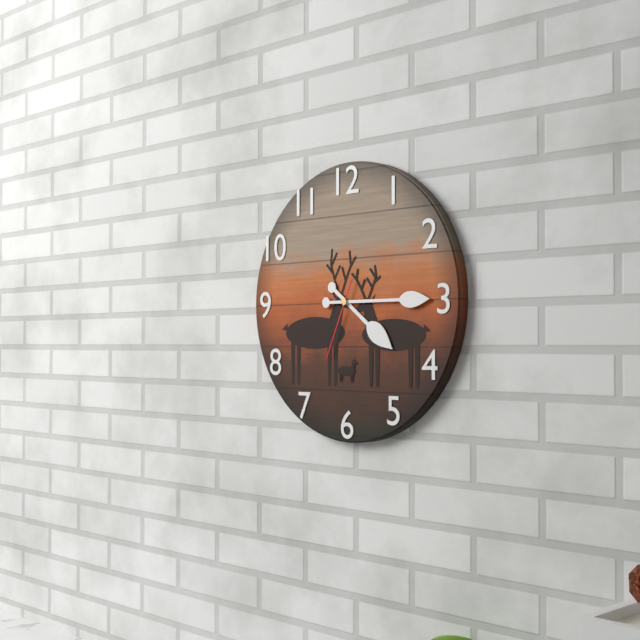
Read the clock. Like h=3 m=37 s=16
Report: h=4 m=15 s=34
